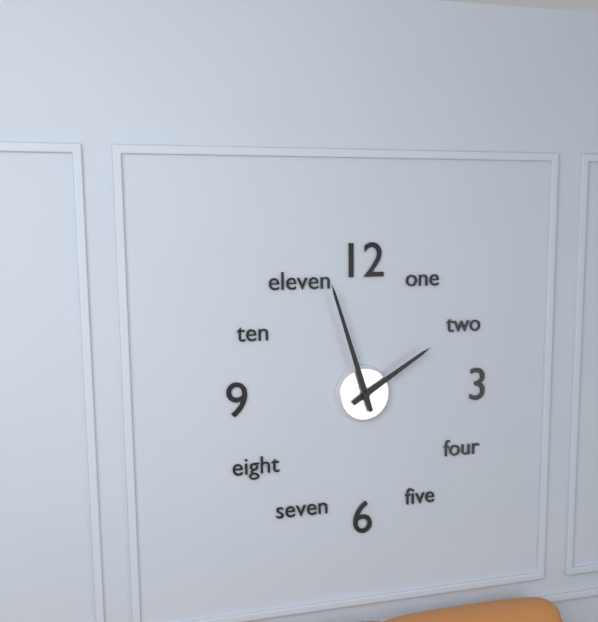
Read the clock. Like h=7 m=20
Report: h=1 m=57
